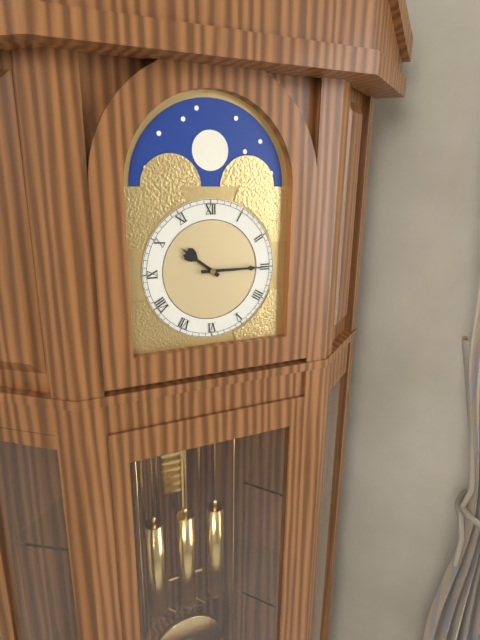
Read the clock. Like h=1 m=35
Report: h=10 m=15
